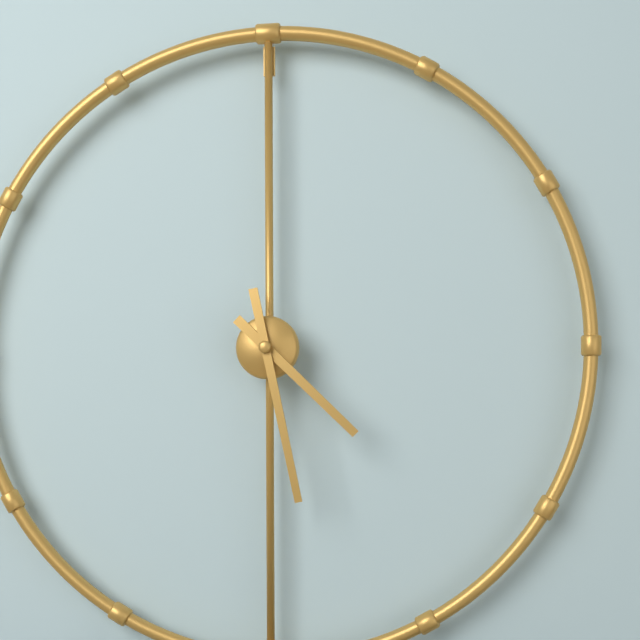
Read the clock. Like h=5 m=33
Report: h=4 m=28
